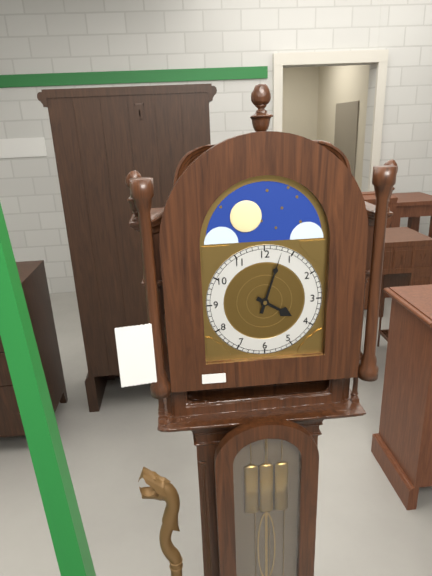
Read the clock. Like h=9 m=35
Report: h=4 m=3
